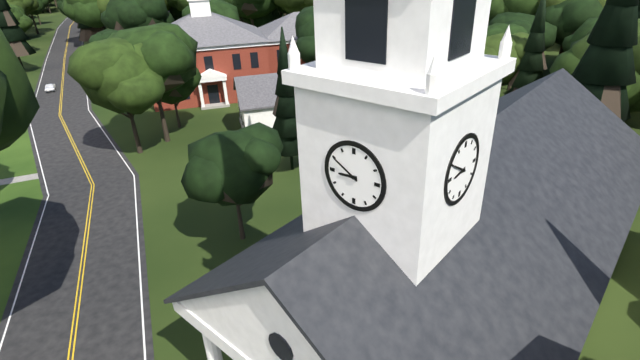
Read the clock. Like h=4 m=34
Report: h=8 m=50
